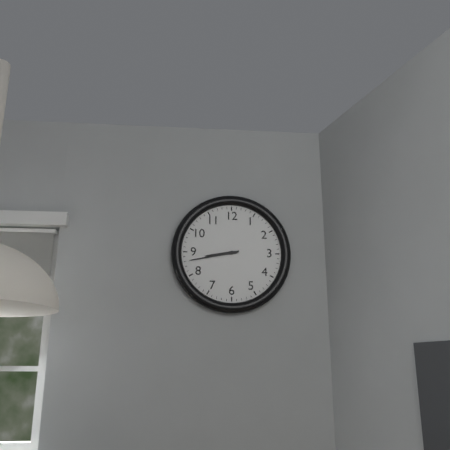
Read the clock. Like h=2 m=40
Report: h=8 m=43
